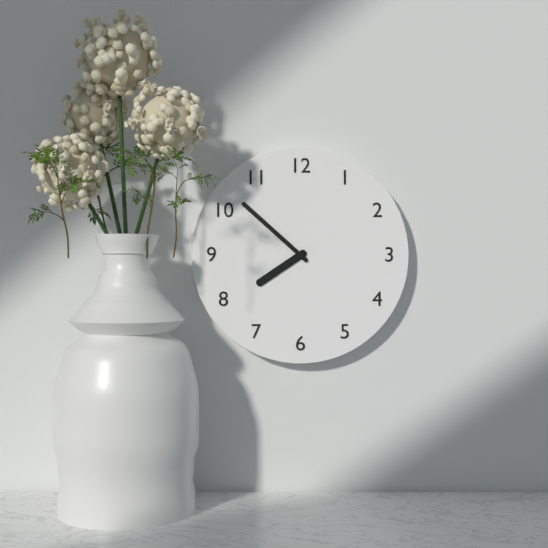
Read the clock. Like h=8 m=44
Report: h=7 m=52
